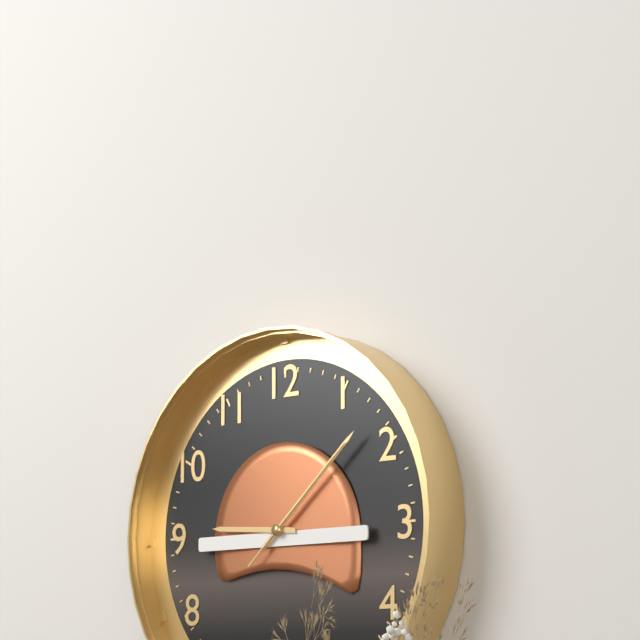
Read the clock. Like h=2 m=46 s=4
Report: h=9 m=8 s=8
